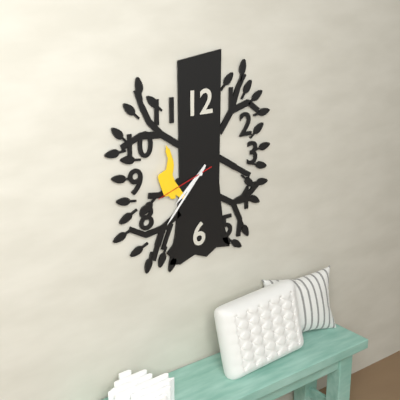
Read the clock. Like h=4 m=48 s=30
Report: h=7 m=37 s=42
